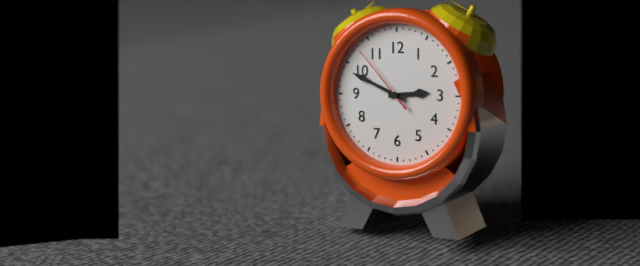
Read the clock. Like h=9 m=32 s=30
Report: h=2 m=49 s=53
